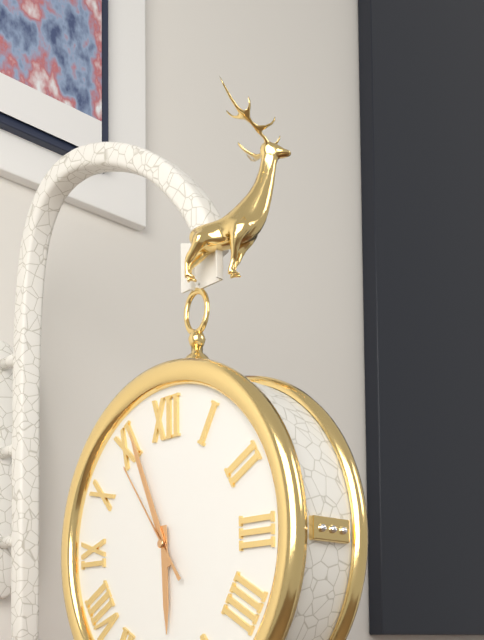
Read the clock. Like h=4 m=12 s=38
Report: h=5 m=56 s=54
